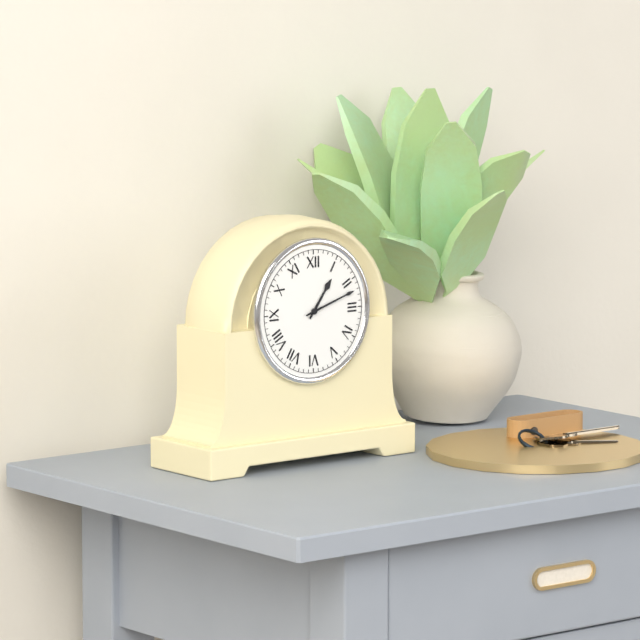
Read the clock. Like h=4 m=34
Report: h=1 m=12
